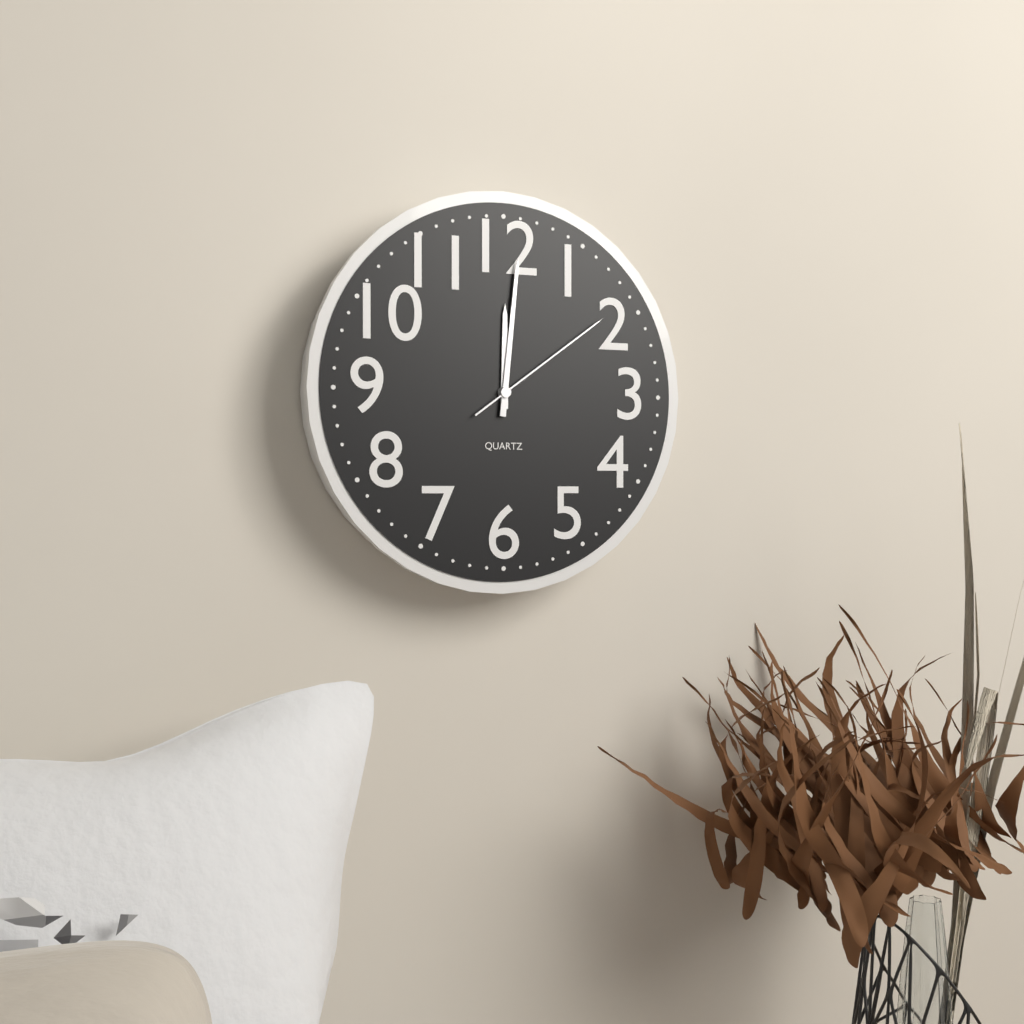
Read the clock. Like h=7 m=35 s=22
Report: h=12 m=1 s=9
